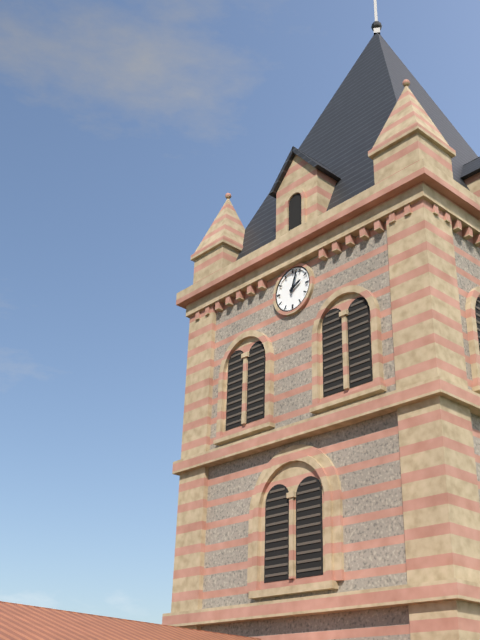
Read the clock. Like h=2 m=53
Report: h=2 m=3
